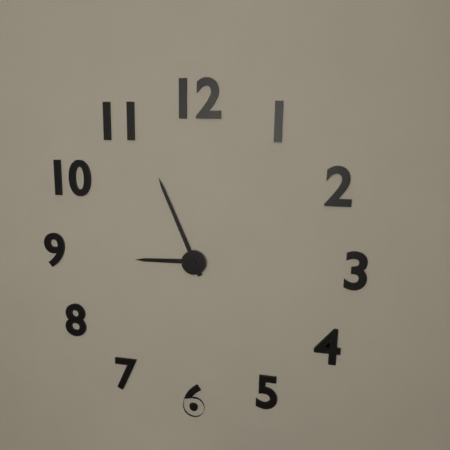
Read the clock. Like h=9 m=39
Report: h=8 m=56
